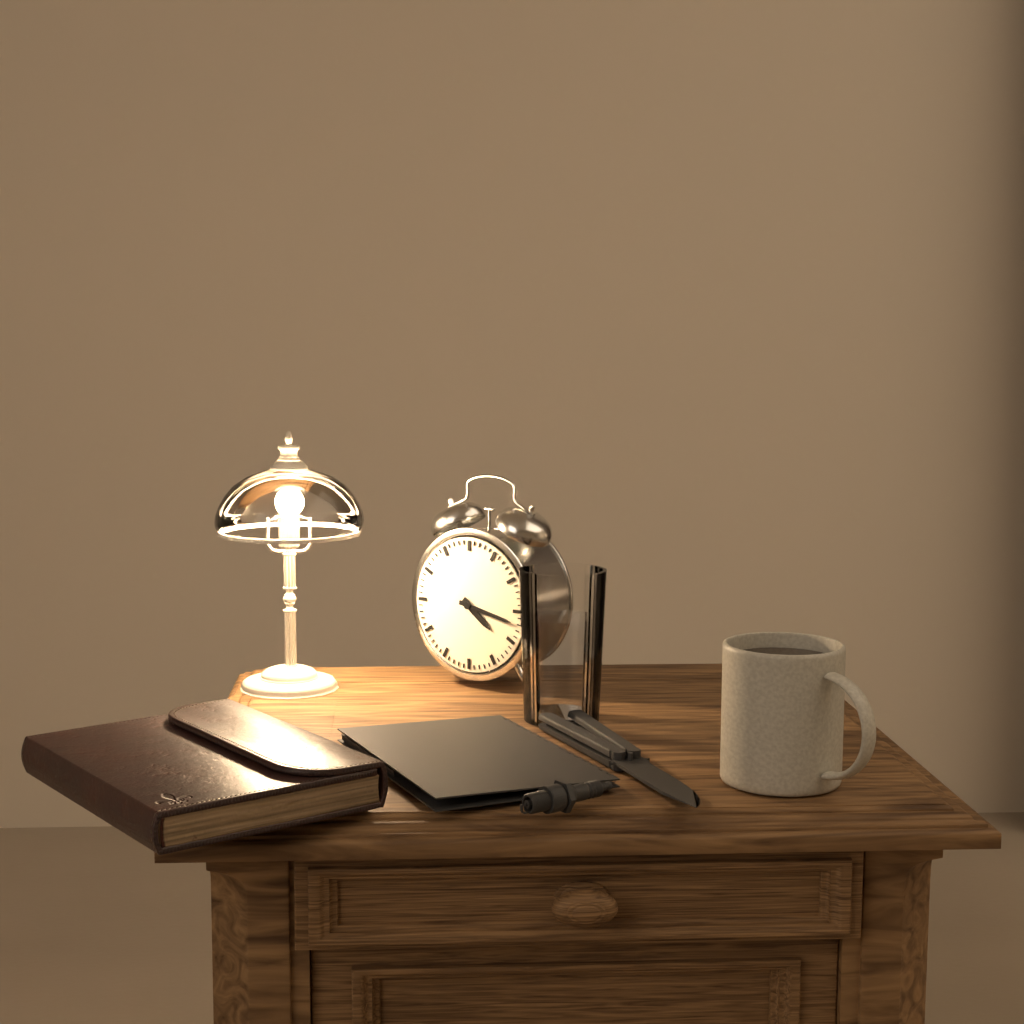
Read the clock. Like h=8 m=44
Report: h=4 m=17
